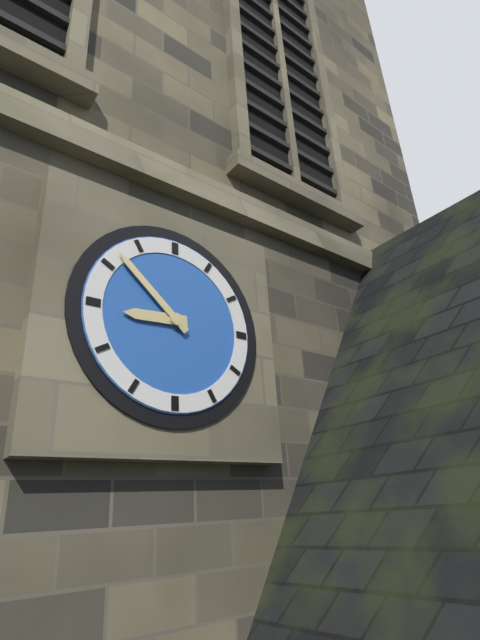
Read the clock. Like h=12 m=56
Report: h=8 m=52
